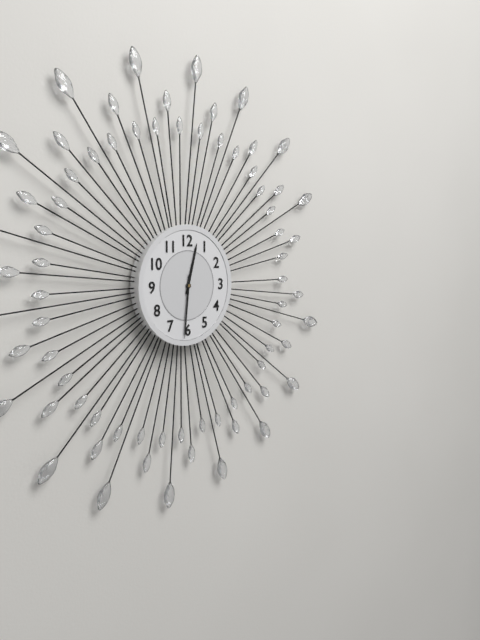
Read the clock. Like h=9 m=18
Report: h=12 m=31
